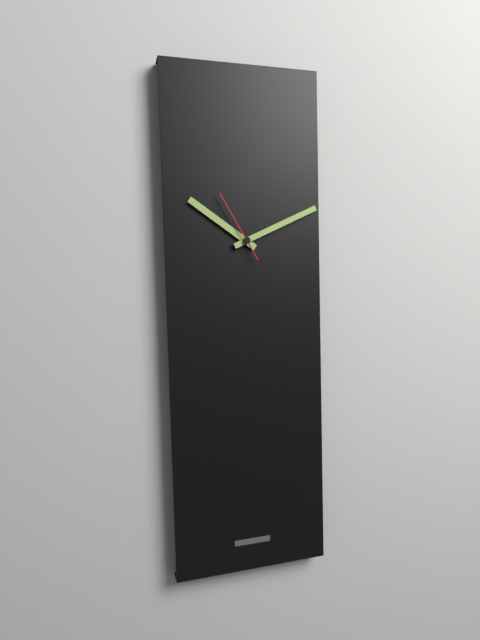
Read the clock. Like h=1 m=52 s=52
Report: h=10 m=11 s=55
